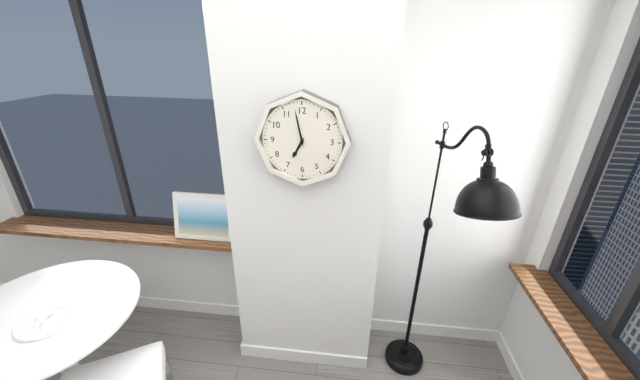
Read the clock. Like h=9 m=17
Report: h=6 m=58
